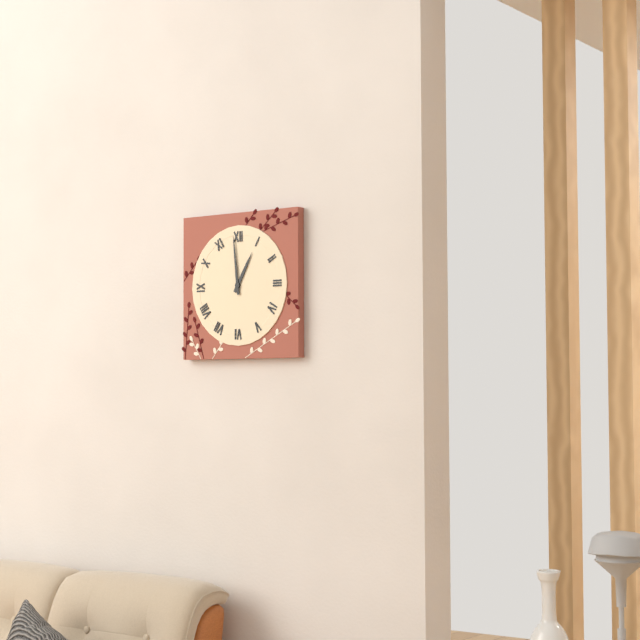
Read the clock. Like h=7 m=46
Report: h=12 m=59
